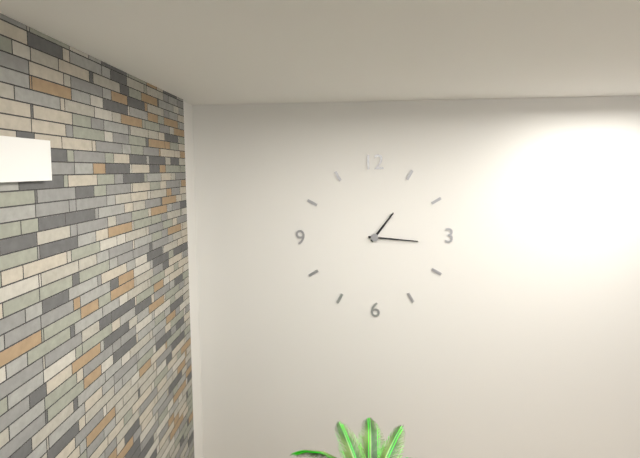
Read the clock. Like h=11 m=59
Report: h=1 m=16
